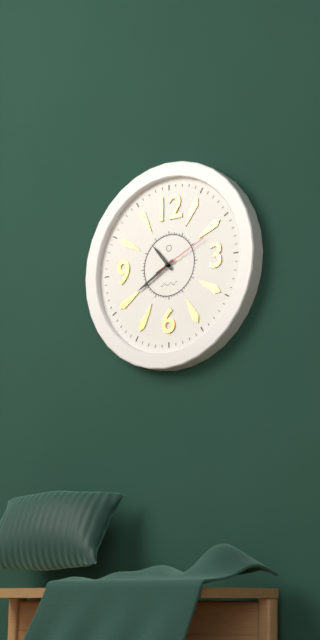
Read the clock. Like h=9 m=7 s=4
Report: h=10 m=40 s=11
